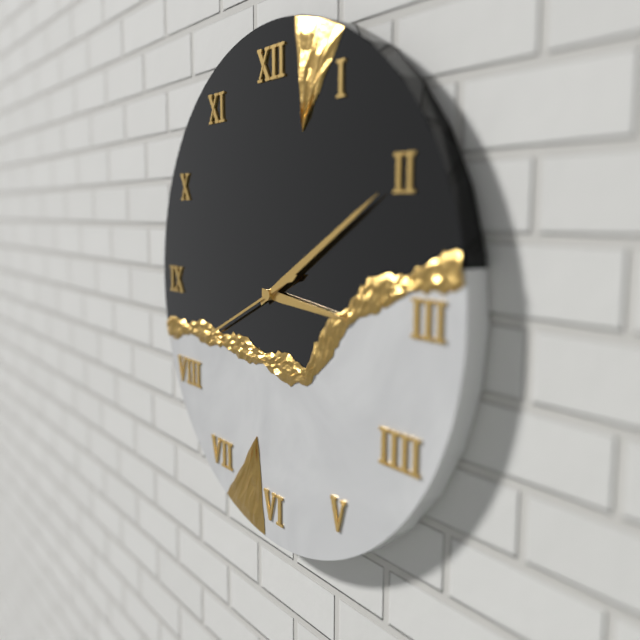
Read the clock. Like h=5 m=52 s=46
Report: h=3 m=10 s=41
